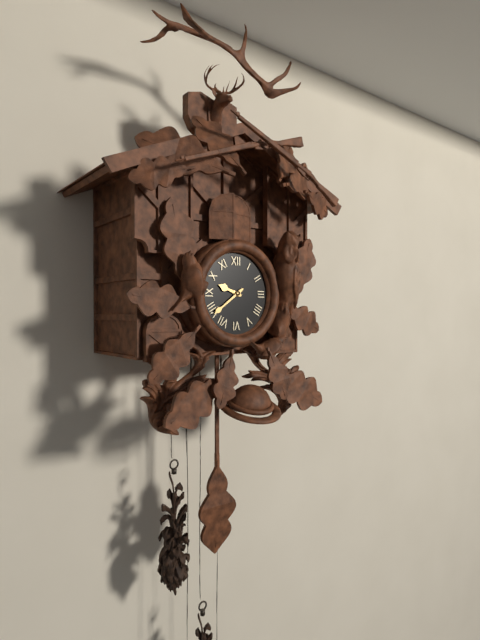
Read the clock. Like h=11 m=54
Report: h=9 m=39
